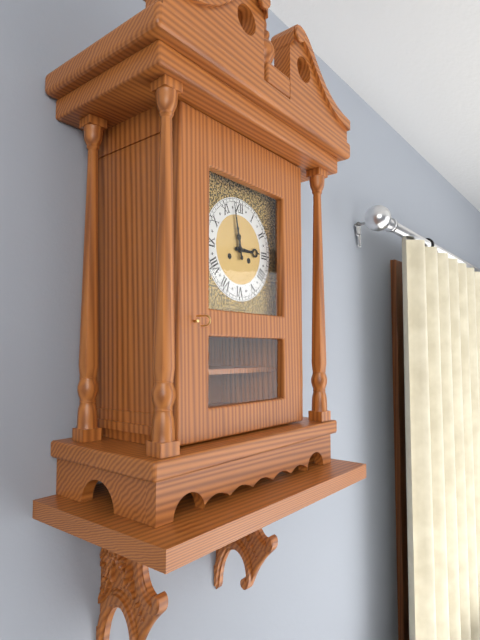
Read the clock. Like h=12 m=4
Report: h=2 m=58
